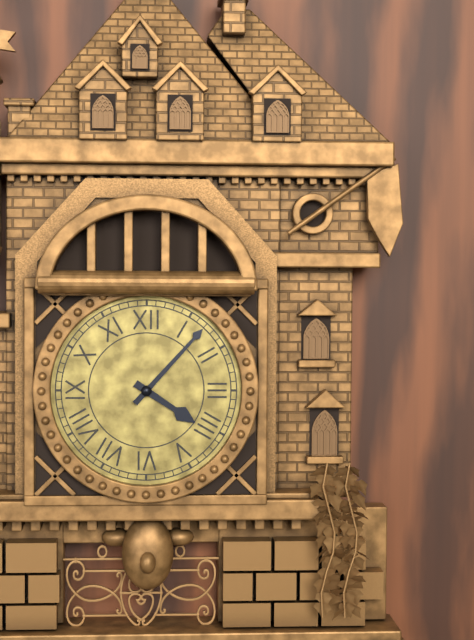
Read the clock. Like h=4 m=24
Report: h=4 m=7
